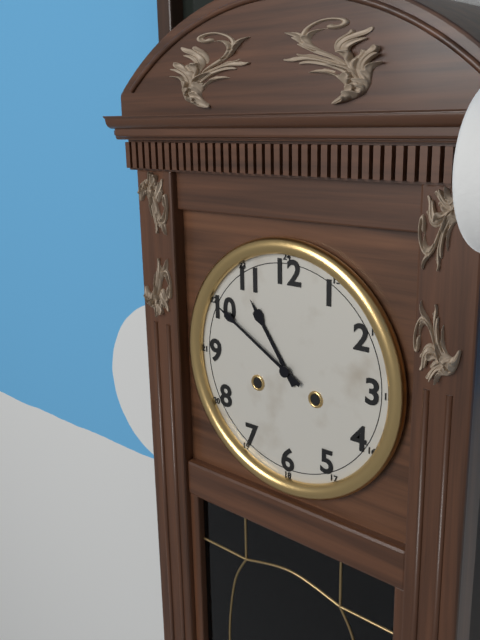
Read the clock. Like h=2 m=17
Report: h=10 m=50
